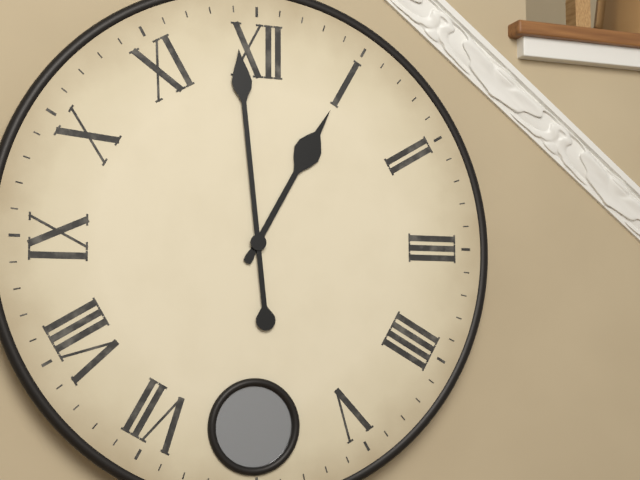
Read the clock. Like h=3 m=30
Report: h=12 m=59
